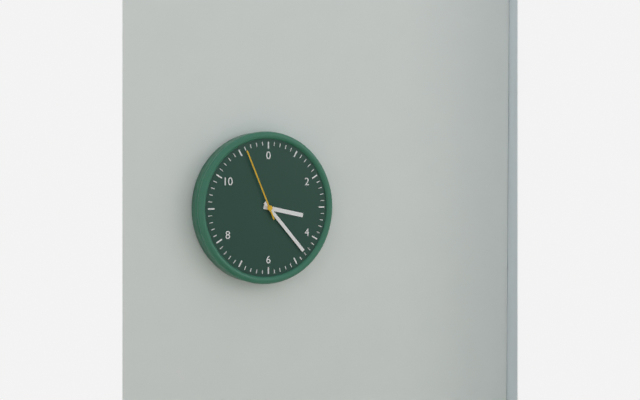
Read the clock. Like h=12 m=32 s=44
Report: h=3 m=23 s=56
